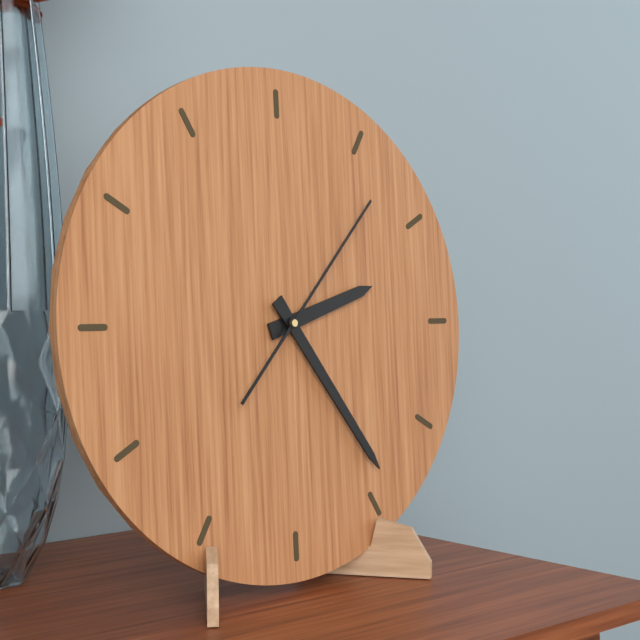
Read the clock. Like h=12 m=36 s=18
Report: h=2 m=24 s=7
